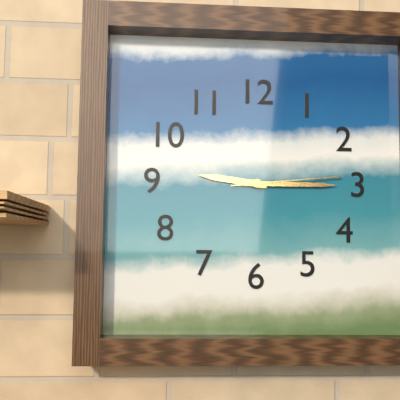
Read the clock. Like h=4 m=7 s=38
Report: h=9 m=15 s=14
